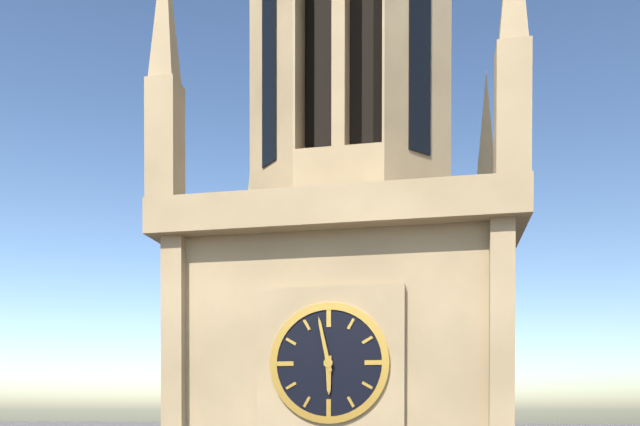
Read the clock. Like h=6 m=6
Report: h=5 m=58
